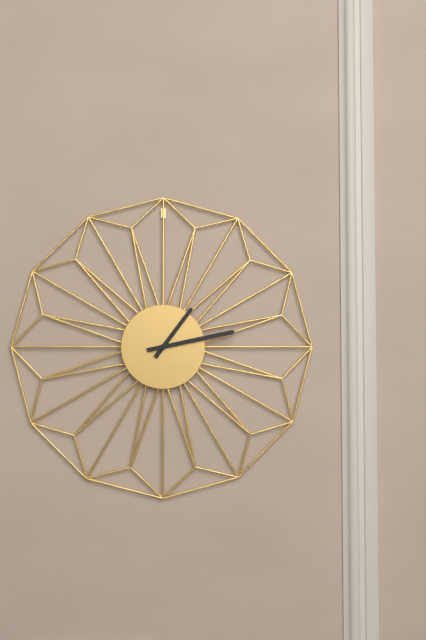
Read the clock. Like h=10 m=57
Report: h=1 m=13
